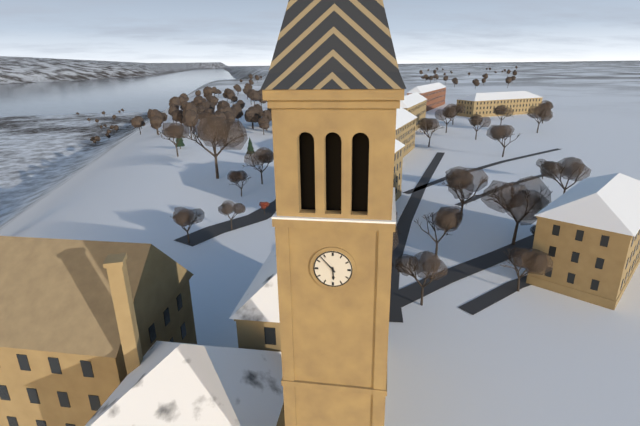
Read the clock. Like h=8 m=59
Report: h=5 m=53
